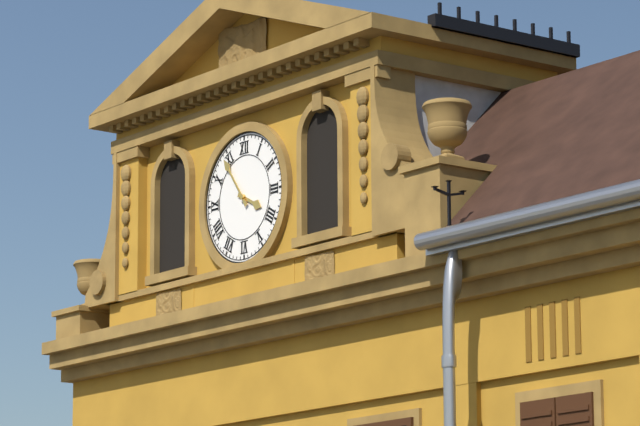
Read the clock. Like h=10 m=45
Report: h=3 m=54
